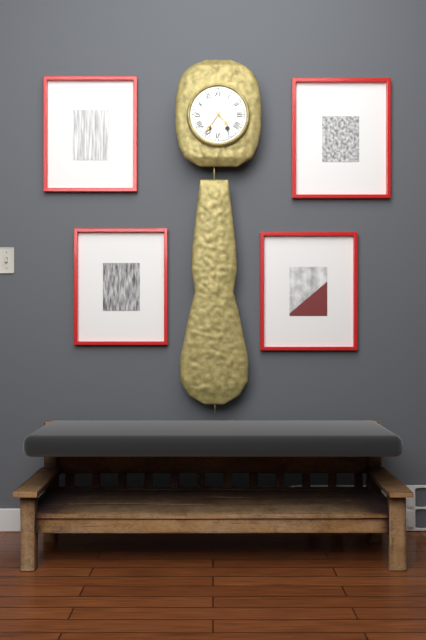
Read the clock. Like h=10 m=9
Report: h=4 m=36
